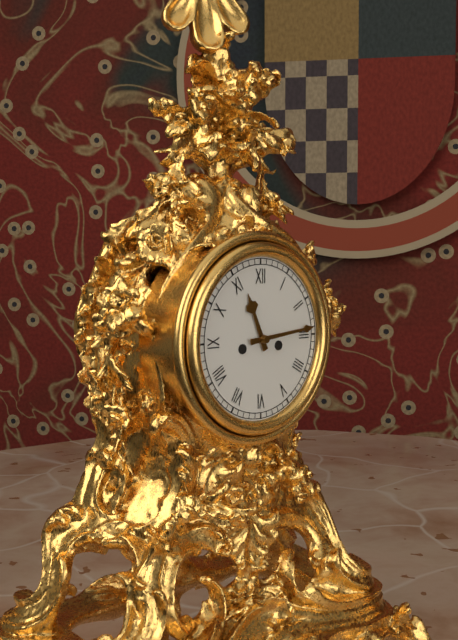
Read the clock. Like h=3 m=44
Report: h=11 m=14
